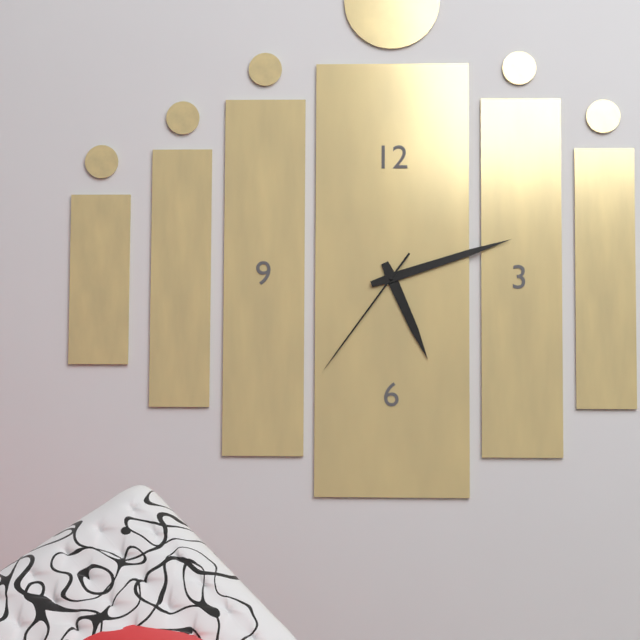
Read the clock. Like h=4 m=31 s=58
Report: h=5 m=12 s=36
